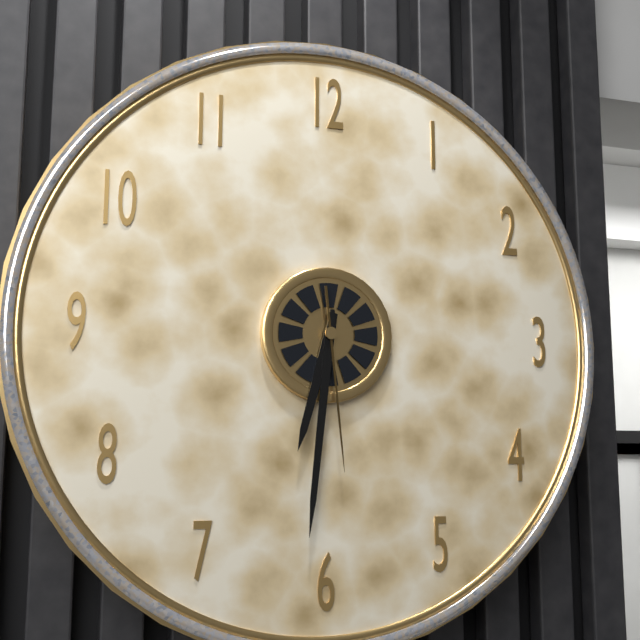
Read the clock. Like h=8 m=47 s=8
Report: h=6 m=31 s=29
